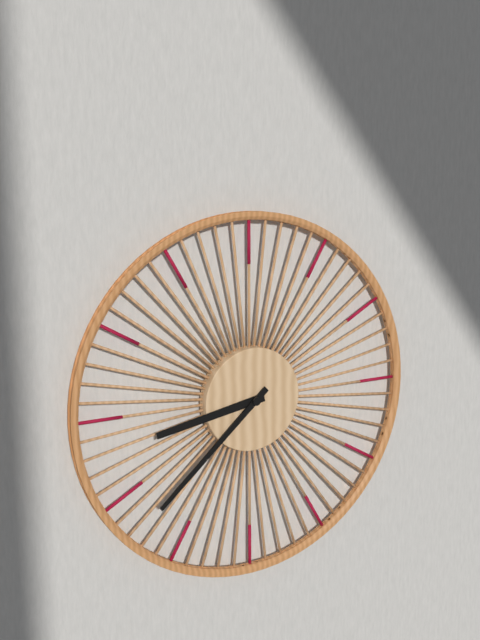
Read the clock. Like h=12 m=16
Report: h=8 m=38
